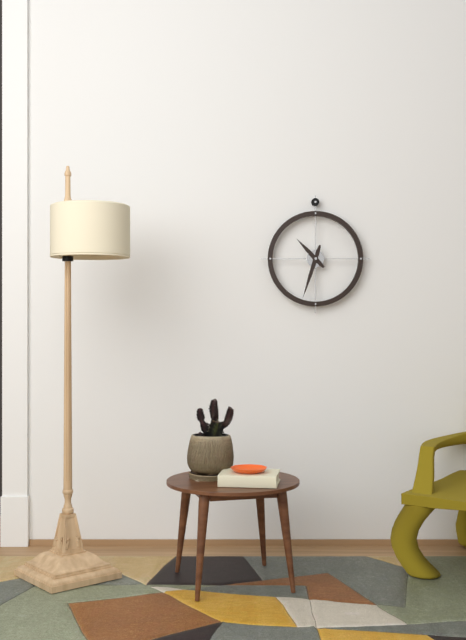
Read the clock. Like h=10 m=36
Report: h=10 m=33
